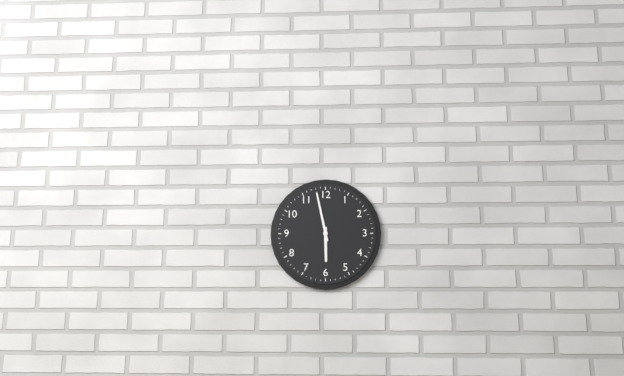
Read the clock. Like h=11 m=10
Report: h=5 m=58
